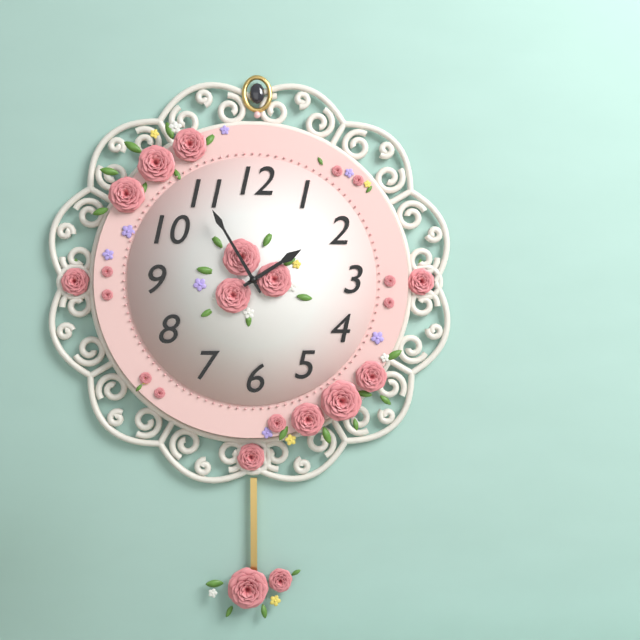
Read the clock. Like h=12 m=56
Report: h=1 m=55
